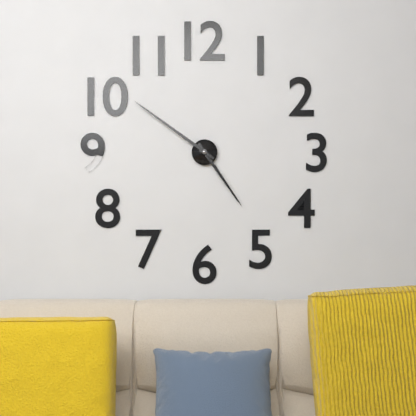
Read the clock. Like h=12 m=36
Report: h=4 m=51
